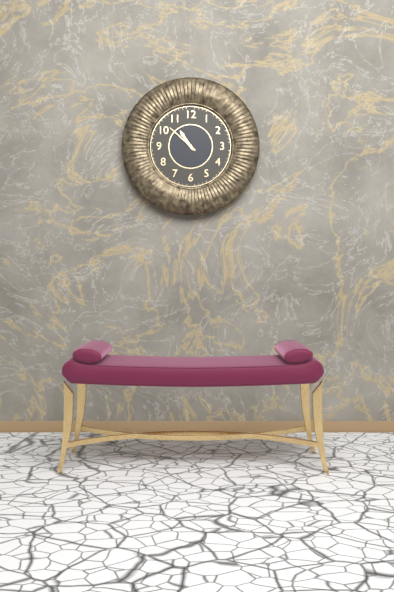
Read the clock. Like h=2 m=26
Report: h=10 m=52
